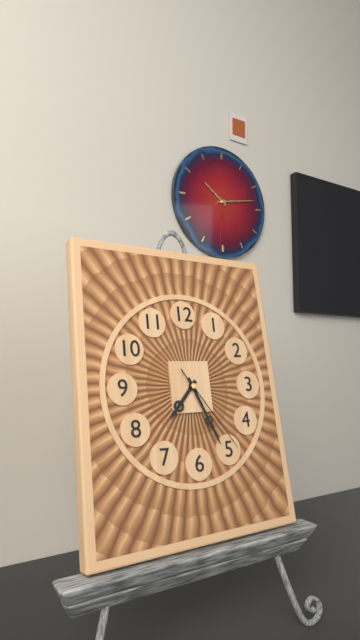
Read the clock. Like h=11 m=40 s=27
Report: h=7 m=26 s=24
